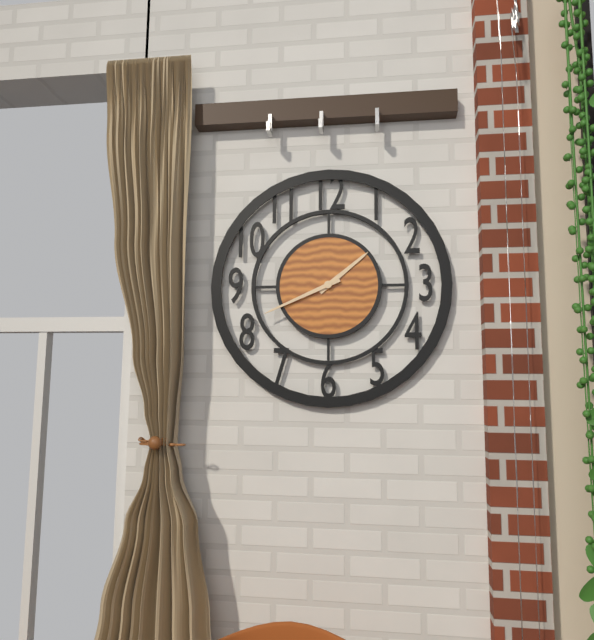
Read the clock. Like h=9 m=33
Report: h=1 m=41
